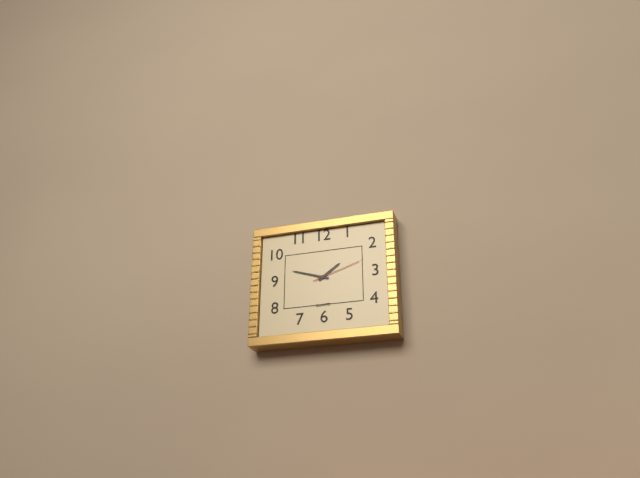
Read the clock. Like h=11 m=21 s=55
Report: h=1 m=48 s=12
